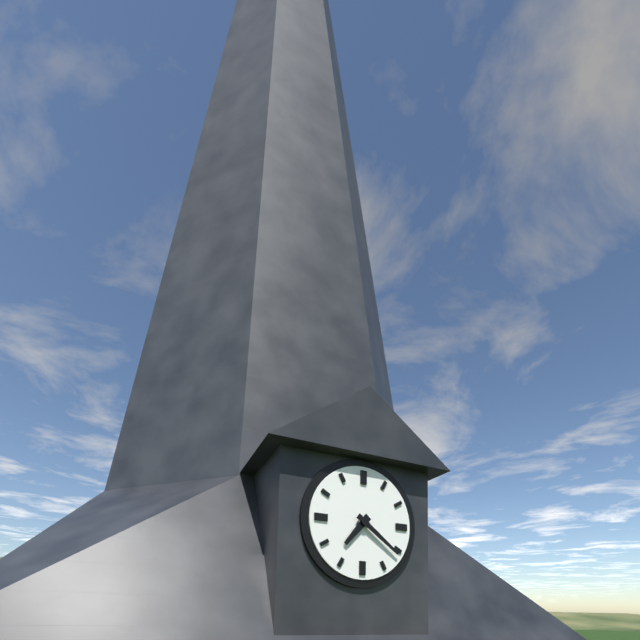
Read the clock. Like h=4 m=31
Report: h=7 m=21
